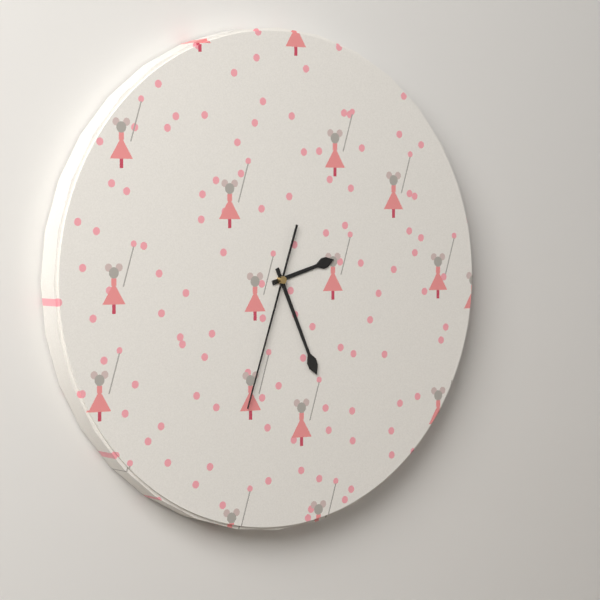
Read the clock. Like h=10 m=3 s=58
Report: h=2 m=26 s=33
